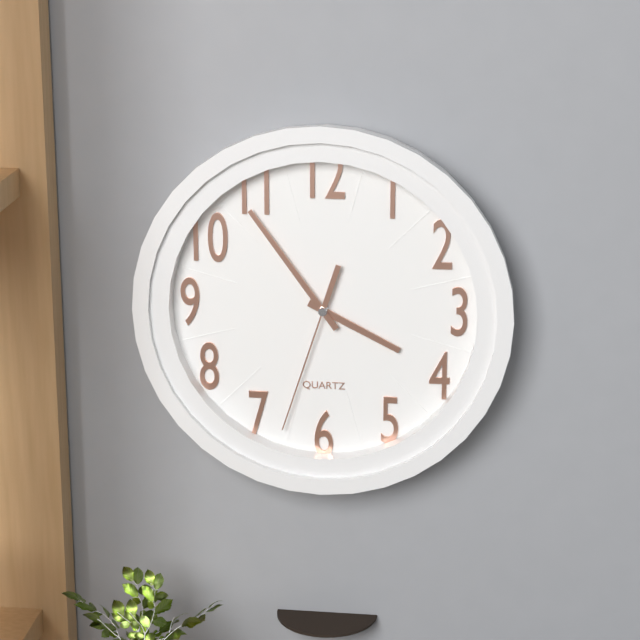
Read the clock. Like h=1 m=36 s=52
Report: h=3 m=54 s=33
